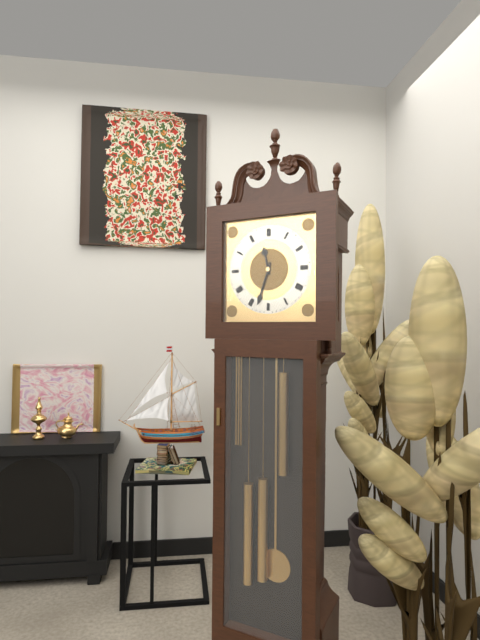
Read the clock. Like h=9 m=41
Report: h=11 m=33
